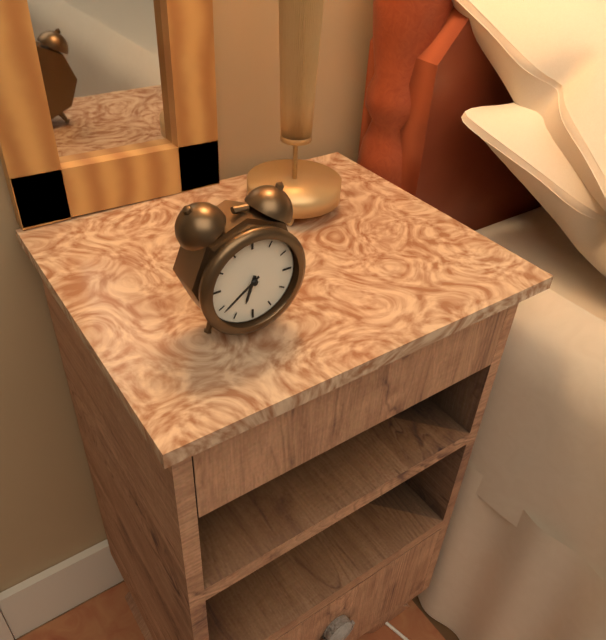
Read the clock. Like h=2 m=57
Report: h=6 m=39
